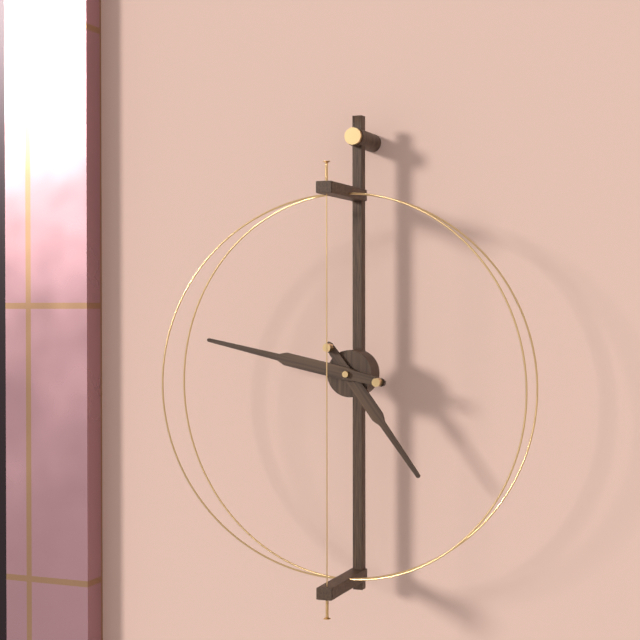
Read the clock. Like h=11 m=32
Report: h=4 m=47
